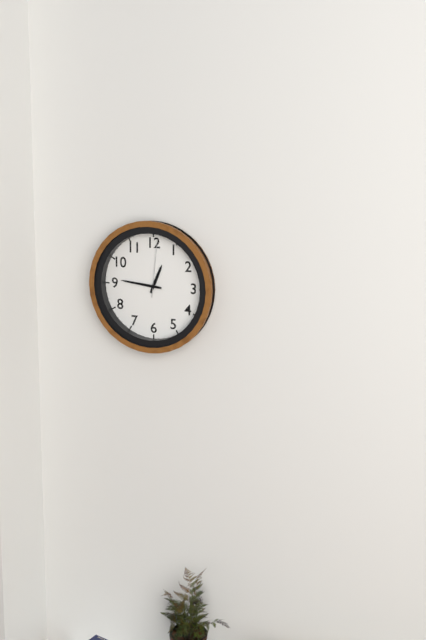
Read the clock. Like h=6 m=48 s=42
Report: h=12 m=46 s=1
